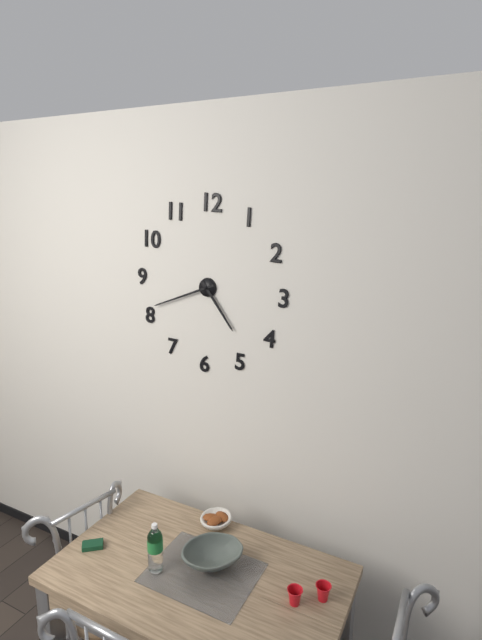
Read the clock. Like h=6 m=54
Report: h=4 m=41
